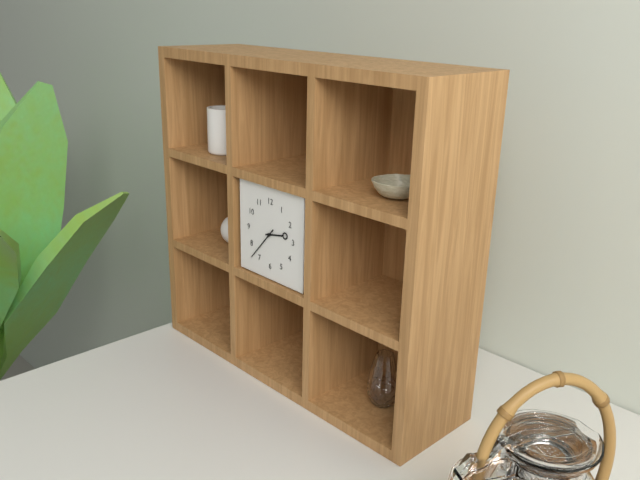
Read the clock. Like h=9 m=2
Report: h=2 m=37
